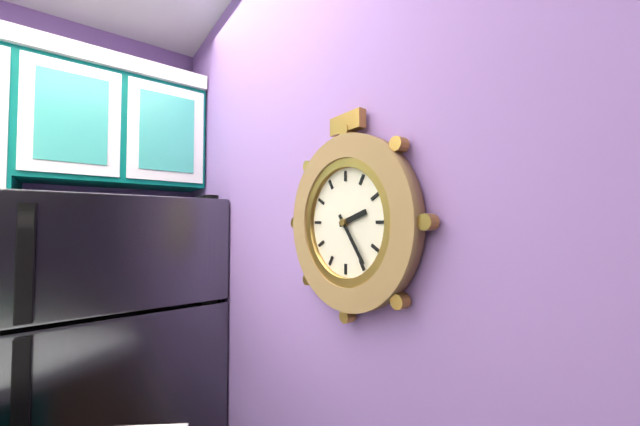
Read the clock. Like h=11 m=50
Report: h=2 m=24
